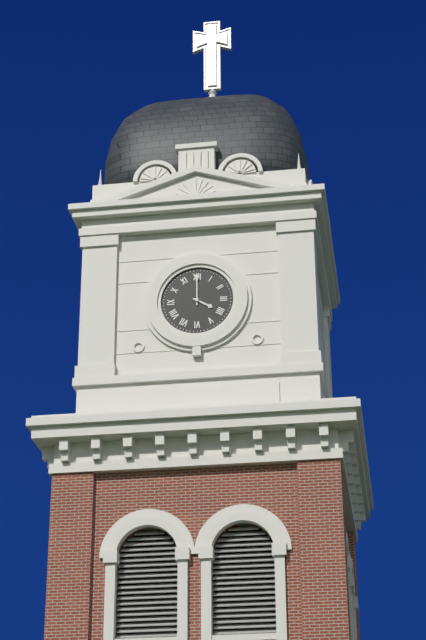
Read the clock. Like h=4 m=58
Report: h=4 m=0
